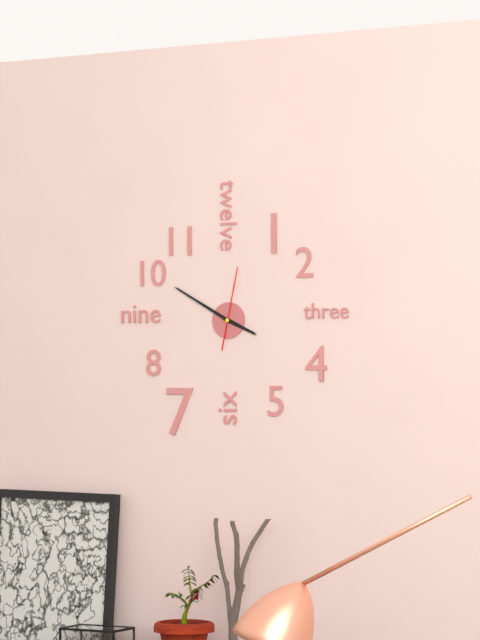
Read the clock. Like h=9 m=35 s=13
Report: h=3 m=50 s=2
